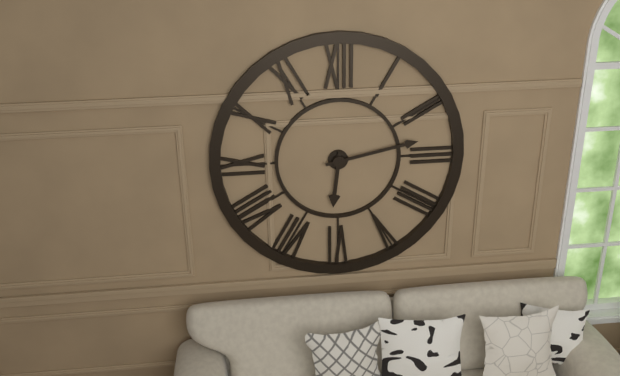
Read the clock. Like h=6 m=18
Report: h=6 m=13
